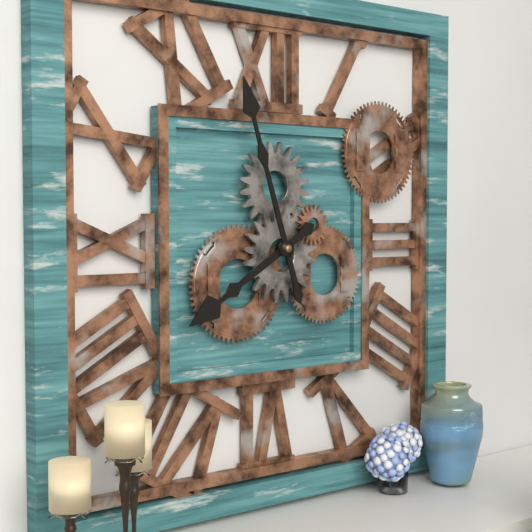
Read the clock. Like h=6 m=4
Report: h=7 m=57
